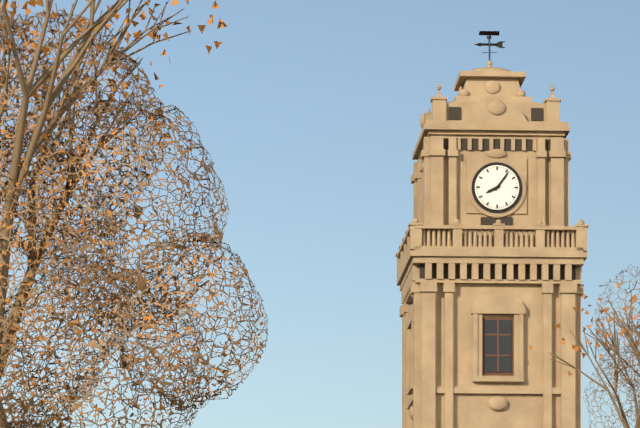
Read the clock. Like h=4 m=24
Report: h=8 m=6
